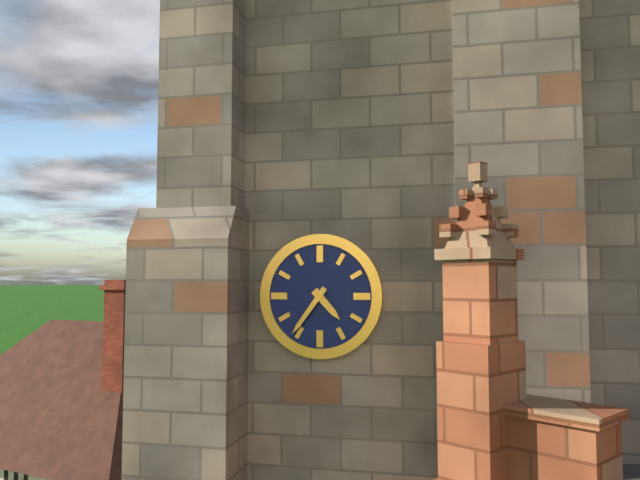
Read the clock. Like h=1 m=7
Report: h=4 m=36
